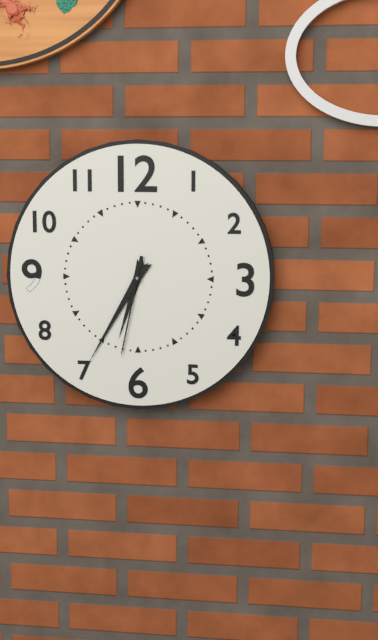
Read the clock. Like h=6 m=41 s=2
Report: h=6 m=35 s=32
